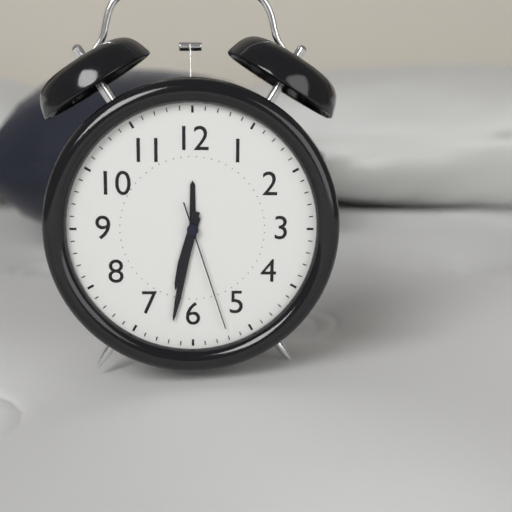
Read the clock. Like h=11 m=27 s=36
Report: h=6 m=32 s=27
